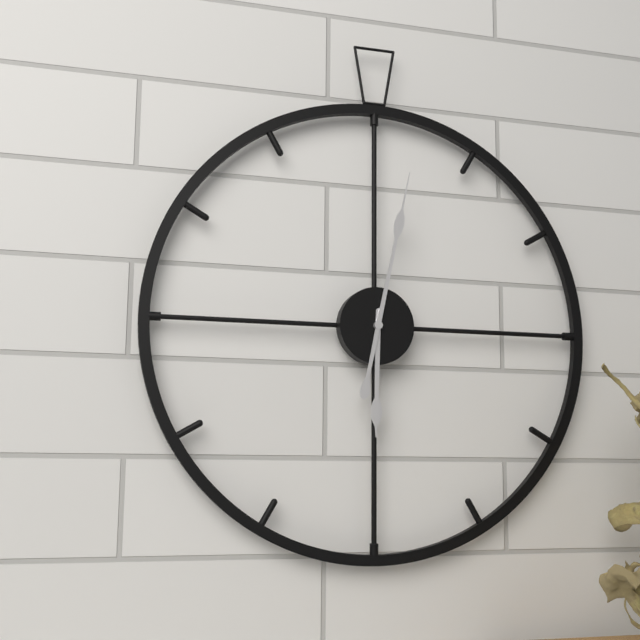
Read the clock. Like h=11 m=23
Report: h=6 m=2
